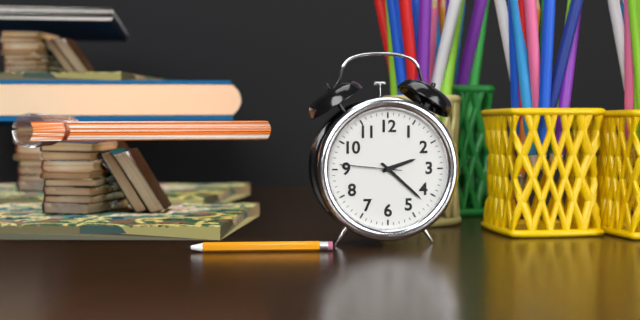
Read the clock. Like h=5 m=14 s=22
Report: h=2 m=22 s=46
